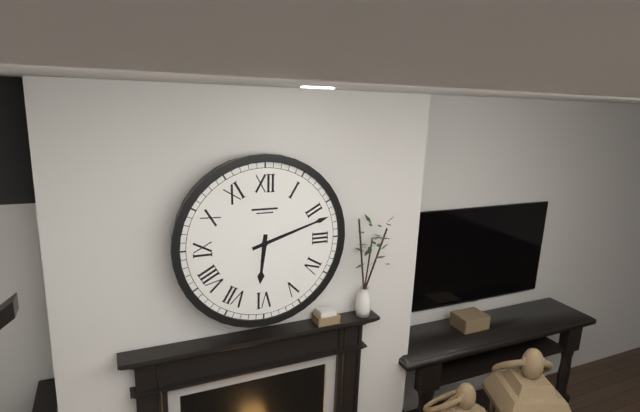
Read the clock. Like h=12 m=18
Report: h=6 m=12
